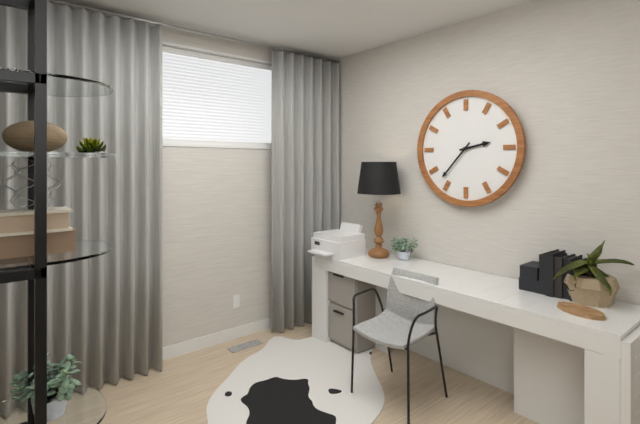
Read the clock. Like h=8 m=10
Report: h=2 m=37
